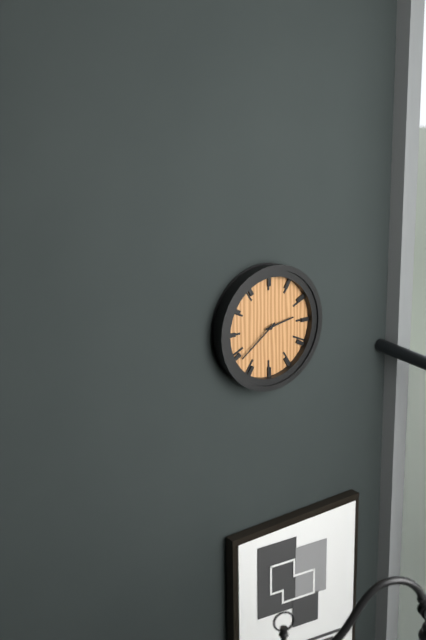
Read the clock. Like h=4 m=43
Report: h=2 m=39
